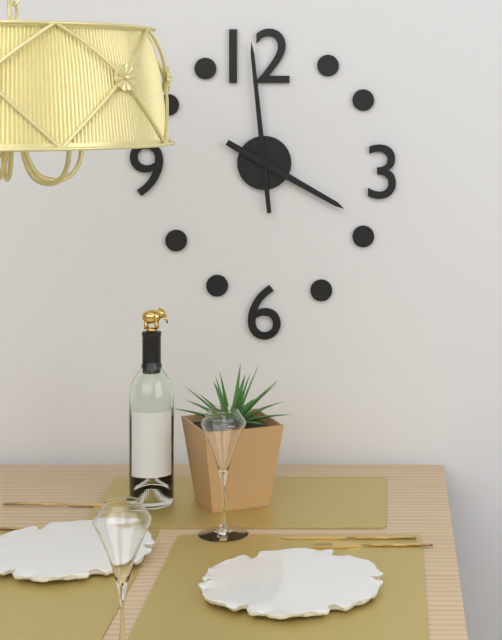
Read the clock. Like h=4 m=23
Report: h=3 m=59
